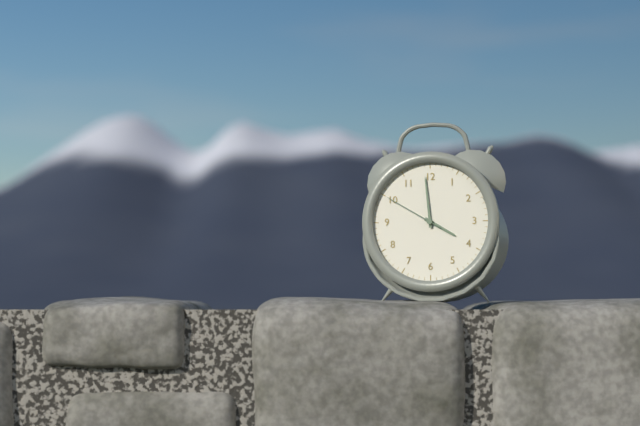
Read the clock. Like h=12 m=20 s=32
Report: h=3 m=59 s=50
